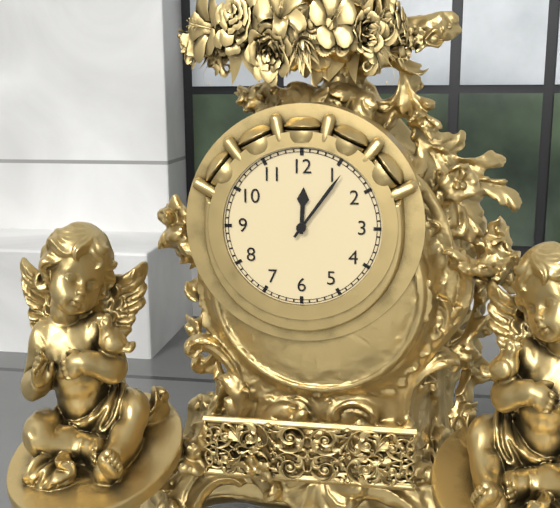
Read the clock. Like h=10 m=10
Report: h=12 m=6
